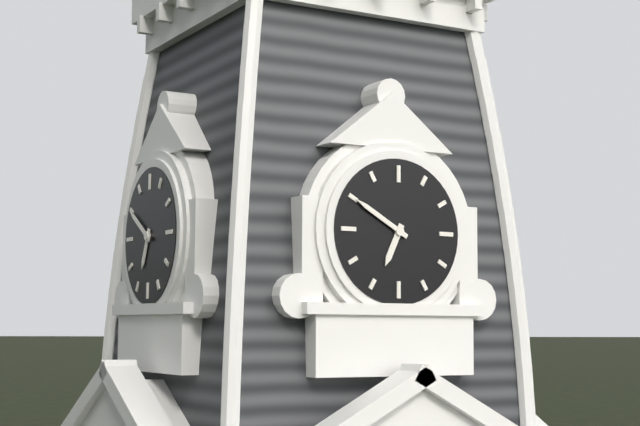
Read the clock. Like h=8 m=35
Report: h=6 m=50
